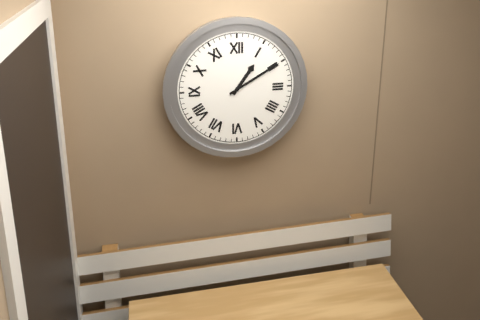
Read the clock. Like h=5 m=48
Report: h=1 m=10
